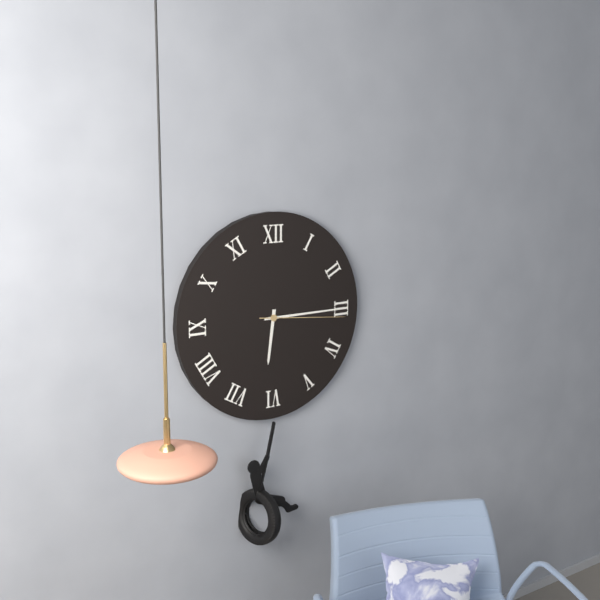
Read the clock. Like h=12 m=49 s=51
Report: h=6 m=15 s=16
